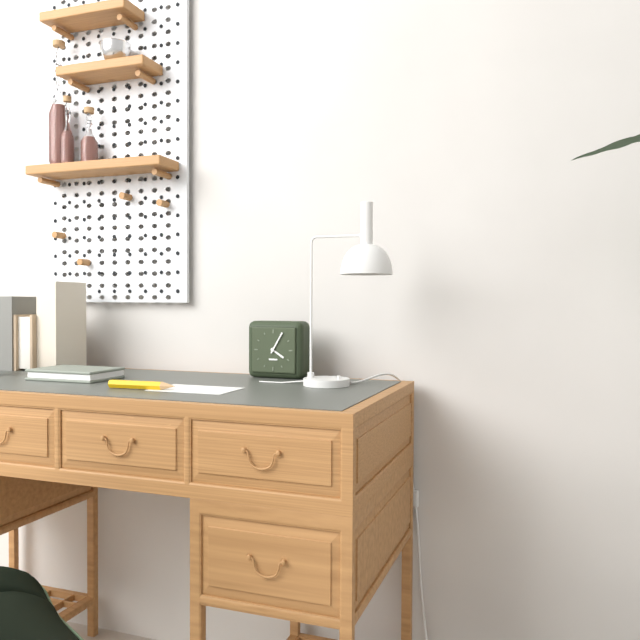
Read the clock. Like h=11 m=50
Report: h=4 m=5
